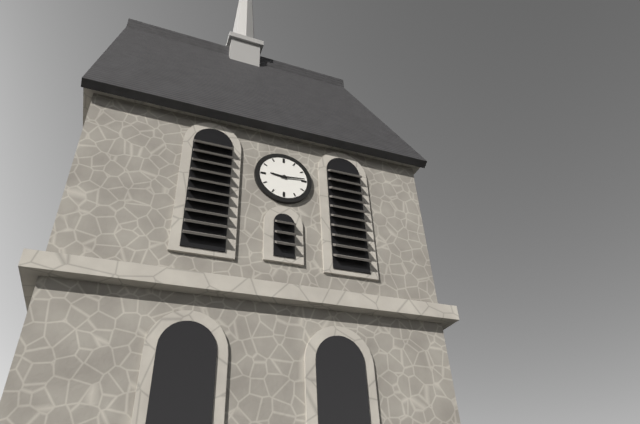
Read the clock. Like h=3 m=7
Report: h=9 m=14
